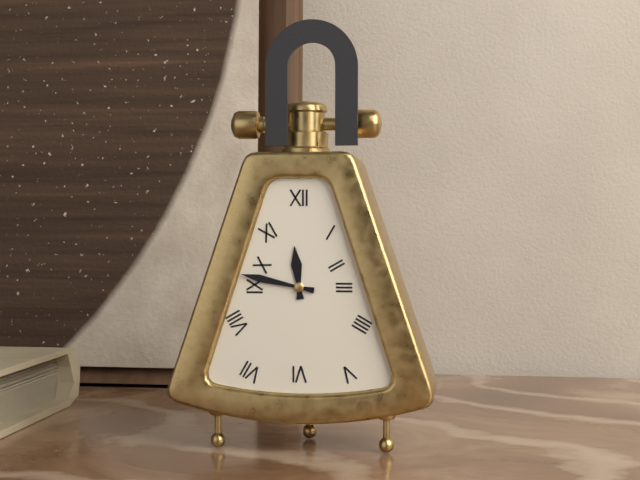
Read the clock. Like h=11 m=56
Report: h=11 m=47
